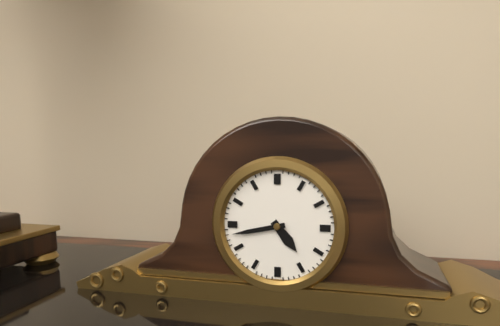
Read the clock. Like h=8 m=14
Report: h=4 m=43
